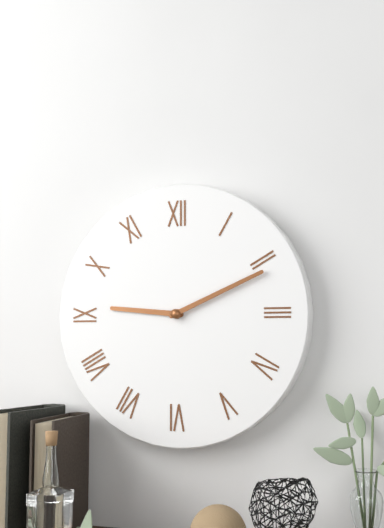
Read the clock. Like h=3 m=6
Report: h=9 m=11
